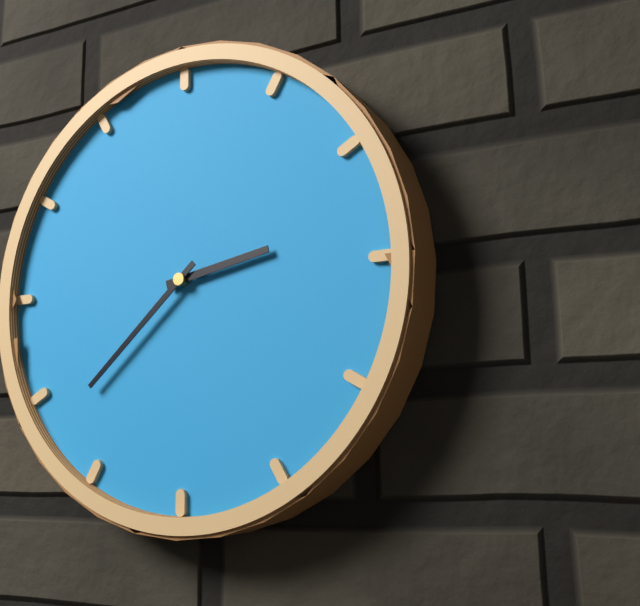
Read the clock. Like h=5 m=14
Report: h=2 m=38
